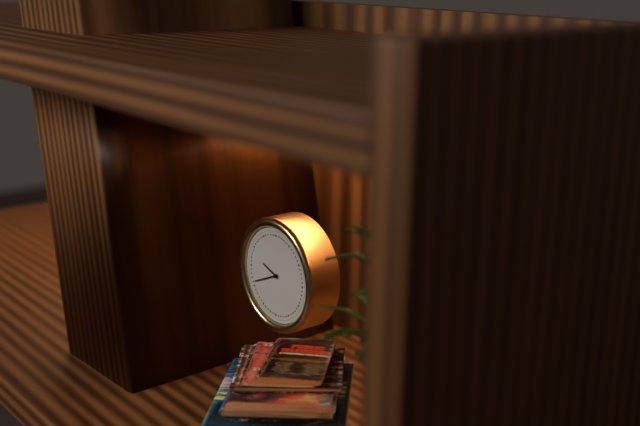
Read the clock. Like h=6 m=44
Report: h=9 m=41
